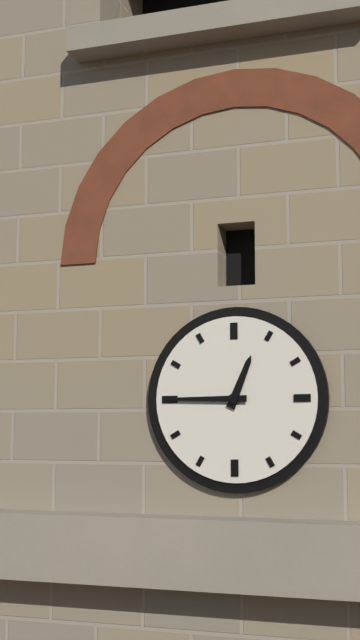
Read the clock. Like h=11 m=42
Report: h=12 m=45
